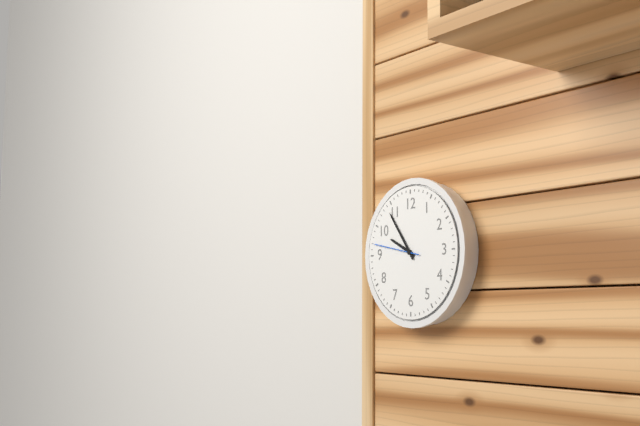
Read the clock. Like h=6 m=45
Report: h=9 m=54
